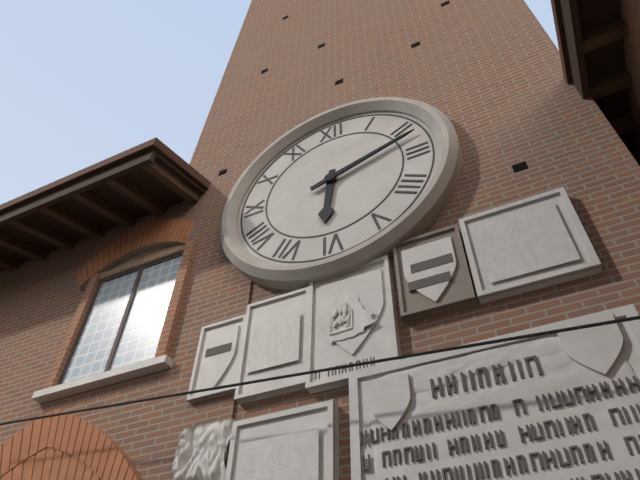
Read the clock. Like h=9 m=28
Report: h=6 m=12
